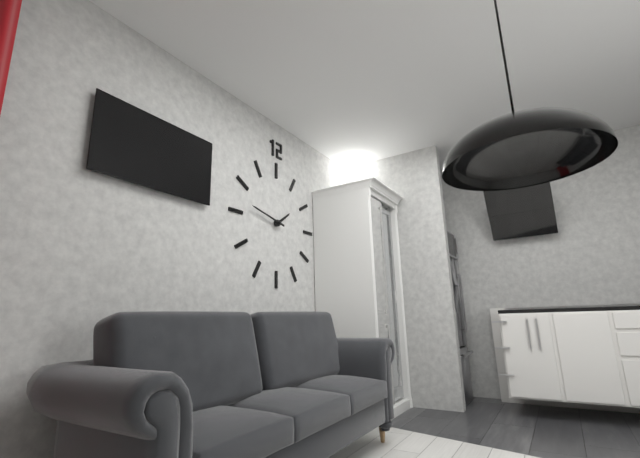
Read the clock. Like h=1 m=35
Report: h=1 m=47
